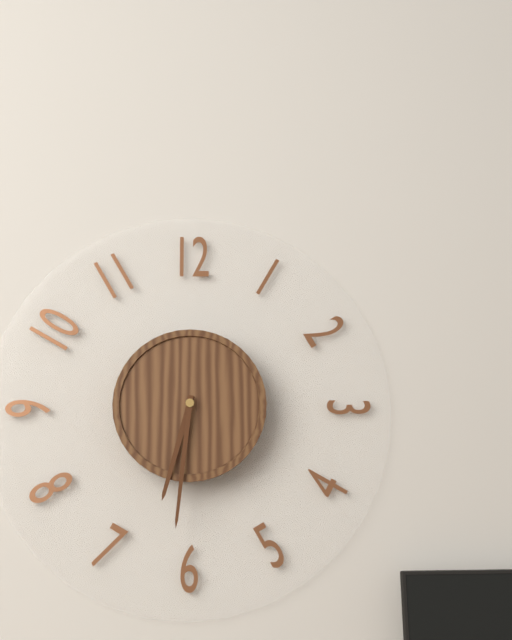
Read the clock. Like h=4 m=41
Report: h=6 m=31
